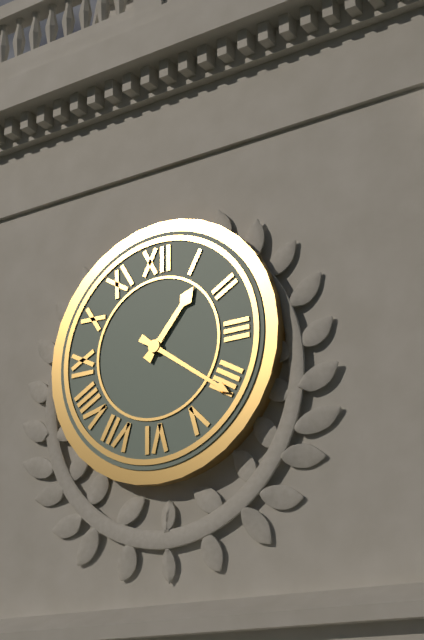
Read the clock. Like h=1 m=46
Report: h=1 m=21
